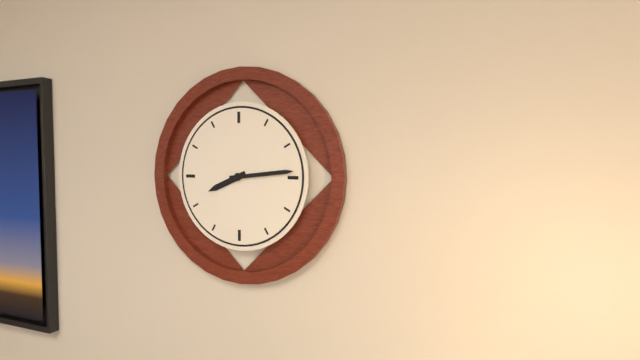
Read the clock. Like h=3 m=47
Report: h=8 m=14
